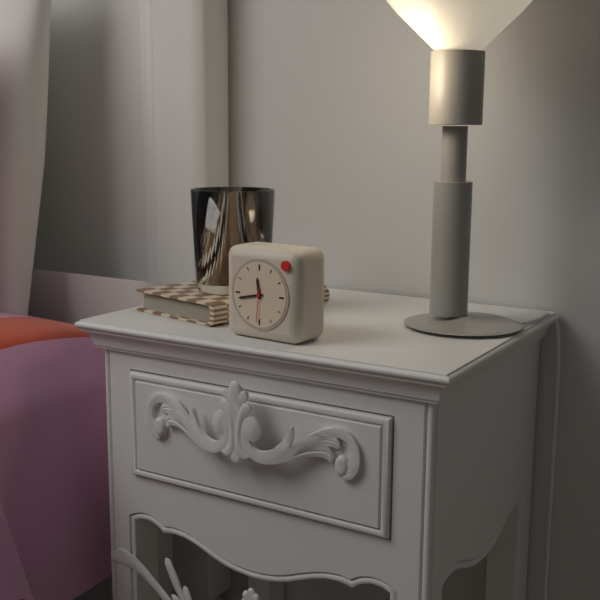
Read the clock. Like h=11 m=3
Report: h=11 m=43
